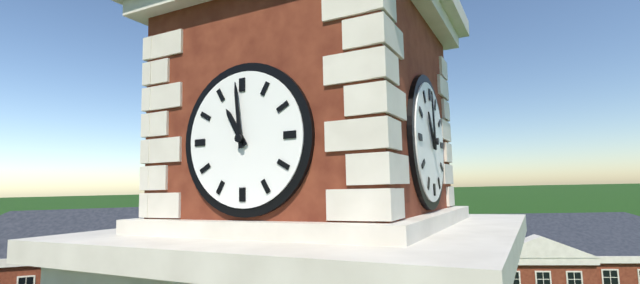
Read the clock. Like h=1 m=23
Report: h=10 m=59
